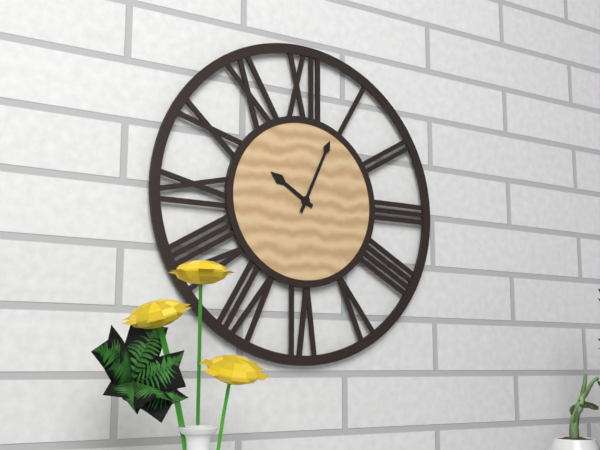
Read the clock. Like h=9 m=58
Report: h=10 m=4
